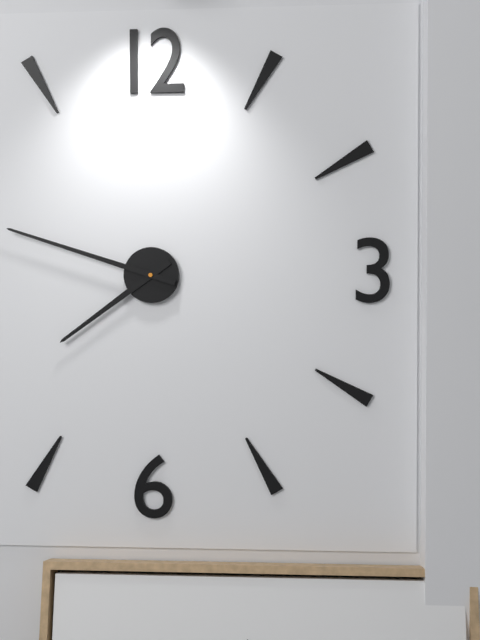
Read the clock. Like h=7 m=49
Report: h=7 m=48
